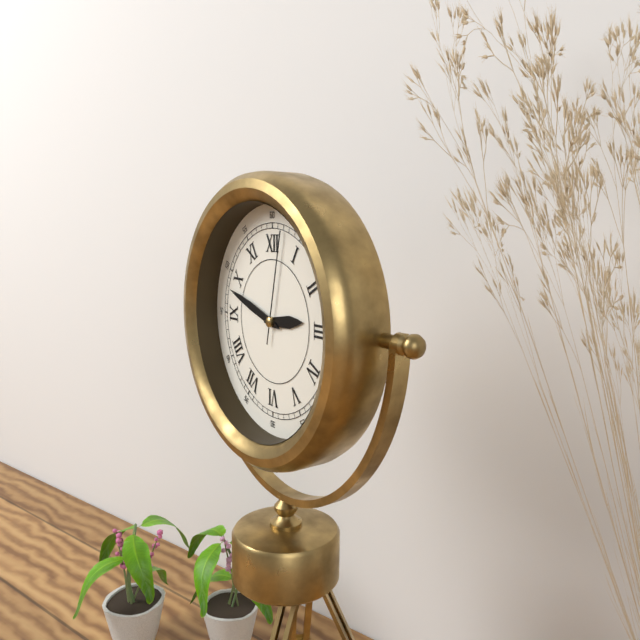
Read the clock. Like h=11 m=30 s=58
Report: h=2 m=48 s=2
